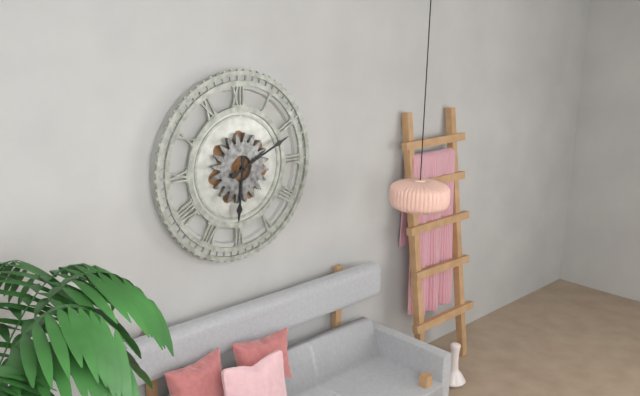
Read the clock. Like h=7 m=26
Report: h=6 m=11
